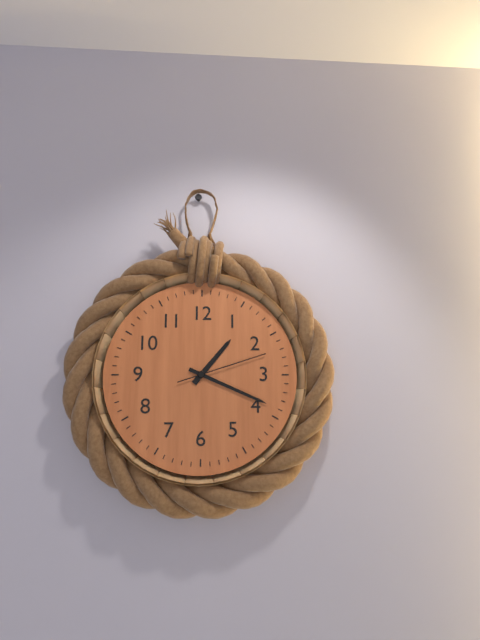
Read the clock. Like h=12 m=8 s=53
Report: h=1 m=19 s=12
